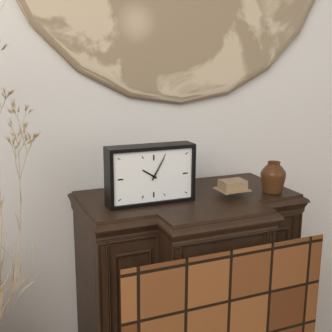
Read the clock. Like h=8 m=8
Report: h=10 m=5
